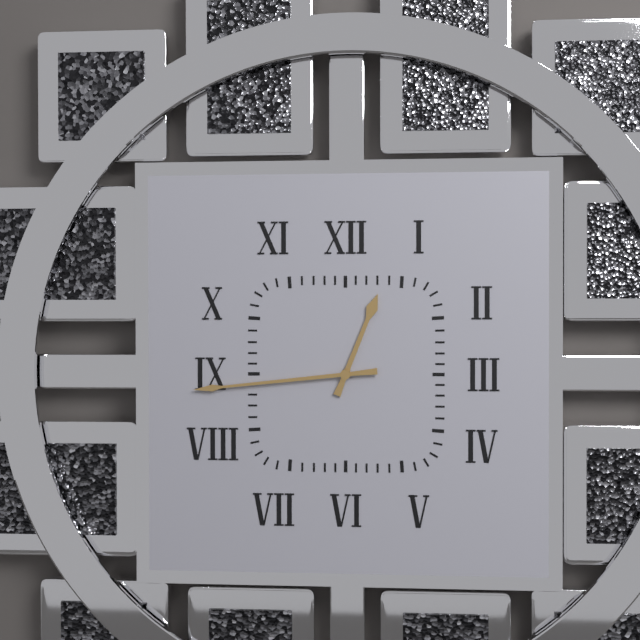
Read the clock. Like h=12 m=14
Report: h=12 m=44
